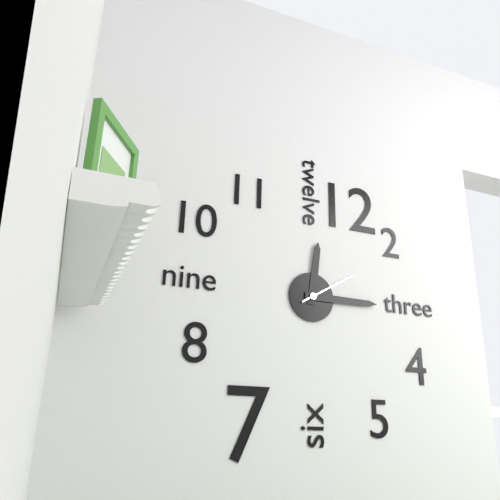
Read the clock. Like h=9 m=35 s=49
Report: h=12 m=15 s=10
